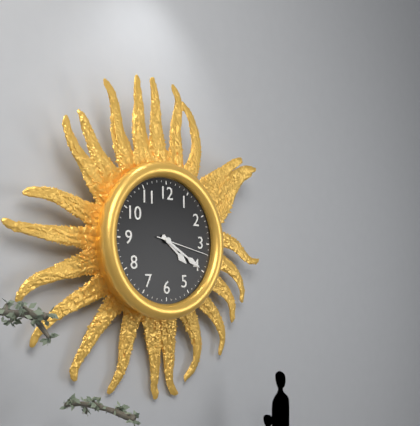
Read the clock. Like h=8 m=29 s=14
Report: h=4 m=20 s=17
